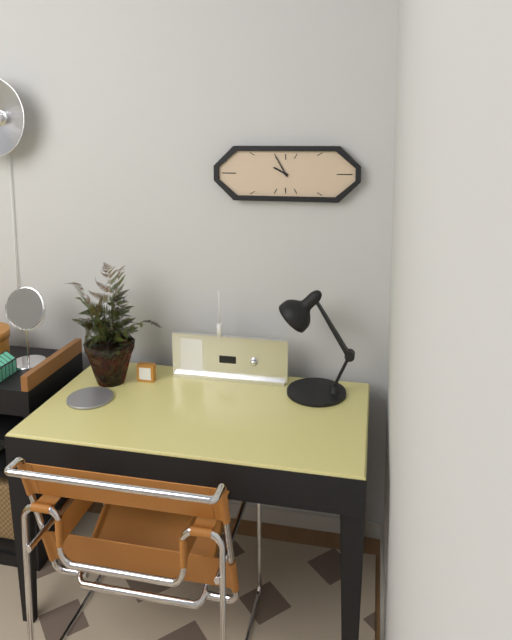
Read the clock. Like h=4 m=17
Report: h=9 m=55
